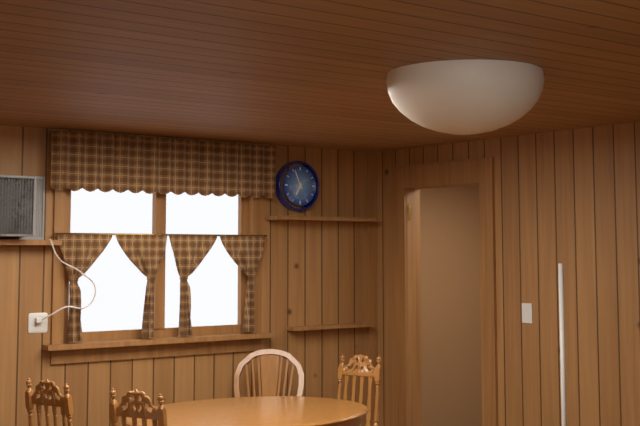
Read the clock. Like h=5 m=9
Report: h=6 m=56
